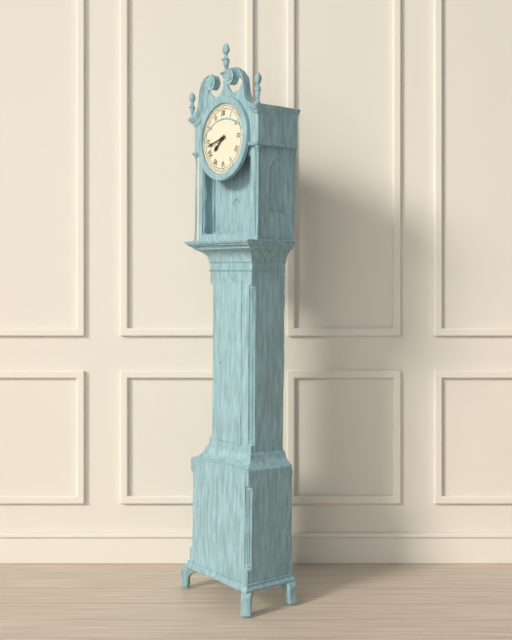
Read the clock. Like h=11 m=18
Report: h=7 m=43
